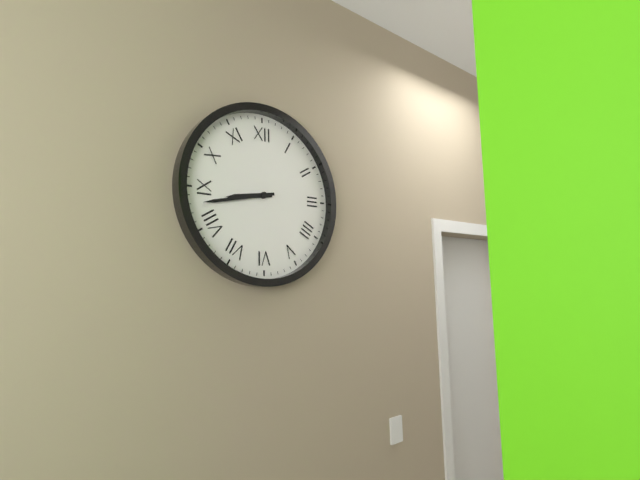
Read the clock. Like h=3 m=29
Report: h=8 m=43
